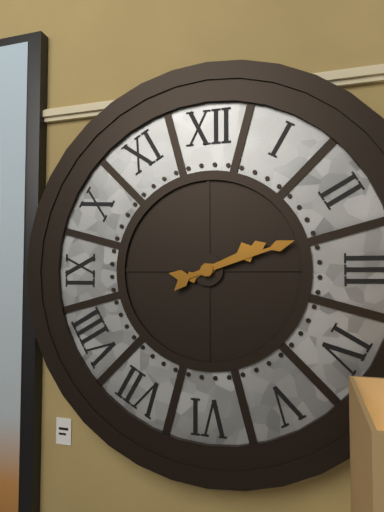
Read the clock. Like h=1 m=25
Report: h=2 m=12
